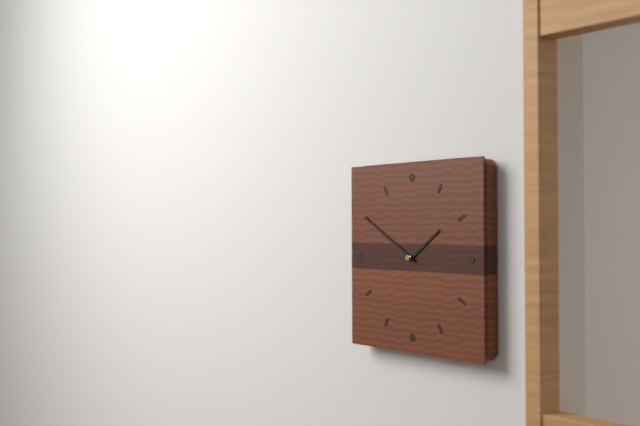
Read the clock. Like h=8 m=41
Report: h=1 m=50
